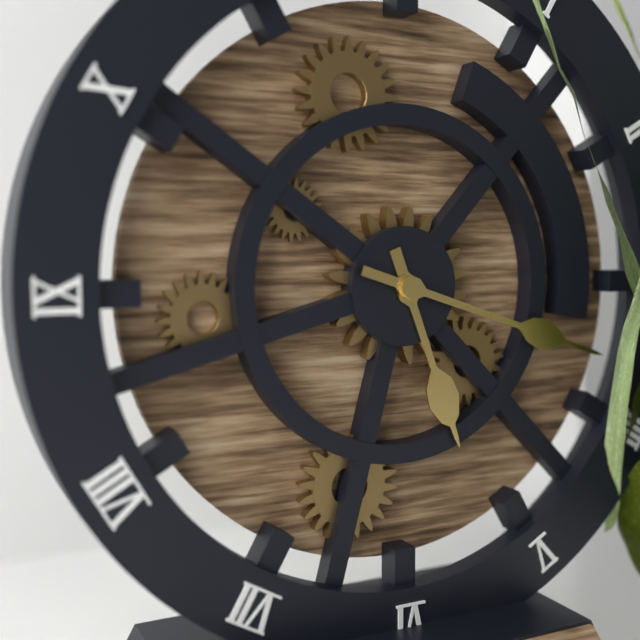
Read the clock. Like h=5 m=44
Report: h=5 m=18
